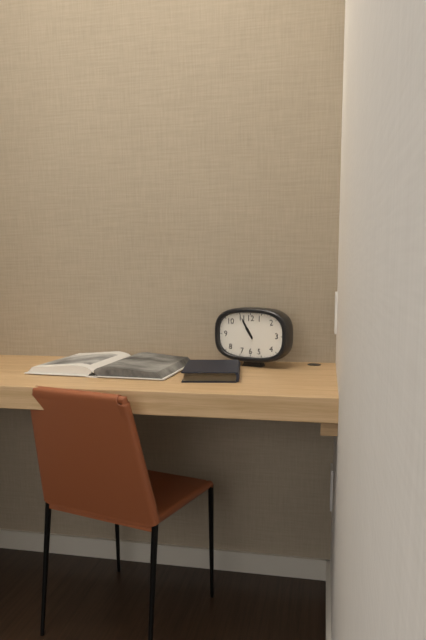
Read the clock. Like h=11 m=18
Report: h=10 m=55
